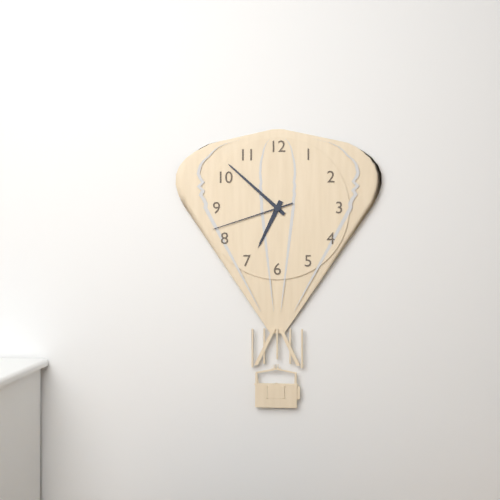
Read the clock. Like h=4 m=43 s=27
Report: h=6 m=52 s=42
